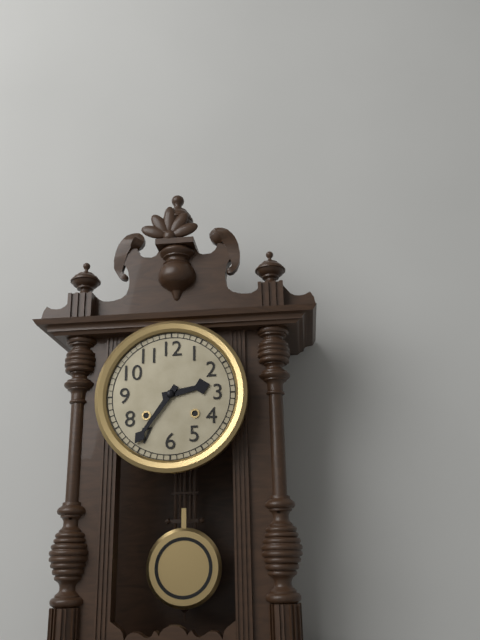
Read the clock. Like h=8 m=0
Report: h=2 m=36
